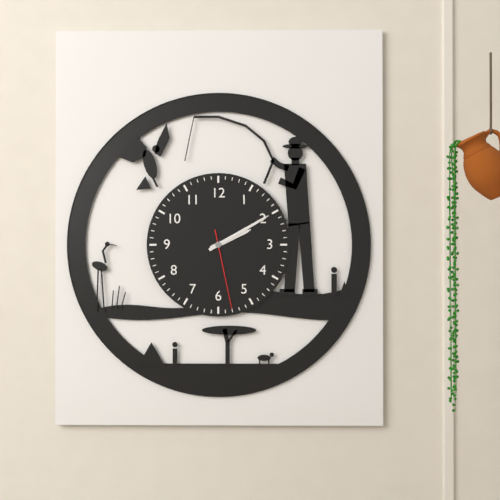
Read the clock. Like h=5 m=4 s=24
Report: h=2 m=10 s=28
